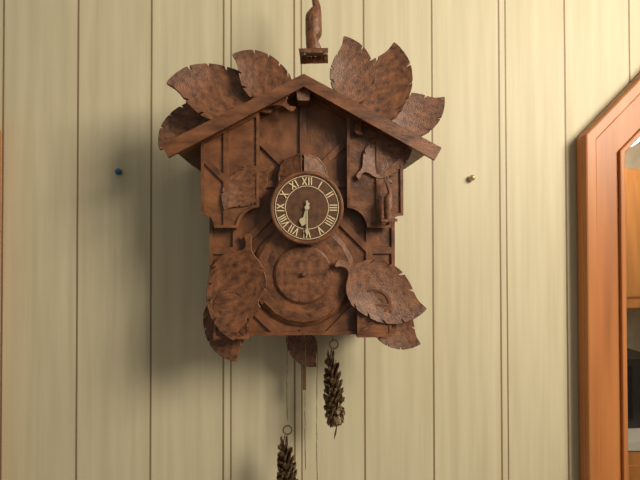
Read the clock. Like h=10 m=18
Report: h=6 m=30
